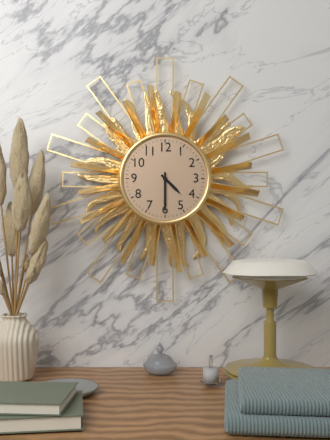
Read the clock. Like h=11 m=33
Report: h=4 m=30
